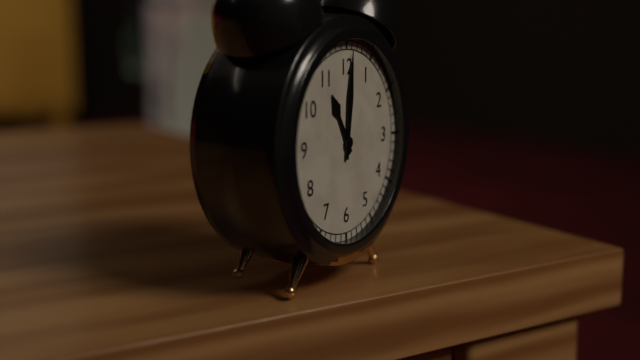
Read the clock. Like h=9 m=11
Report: h=11 m=1
